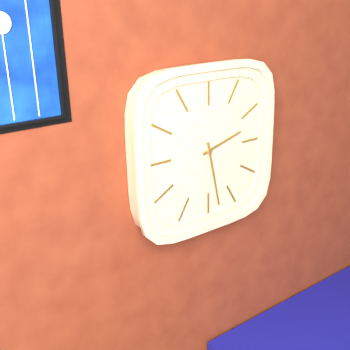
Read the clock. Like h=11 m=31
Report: h=2 m=28
